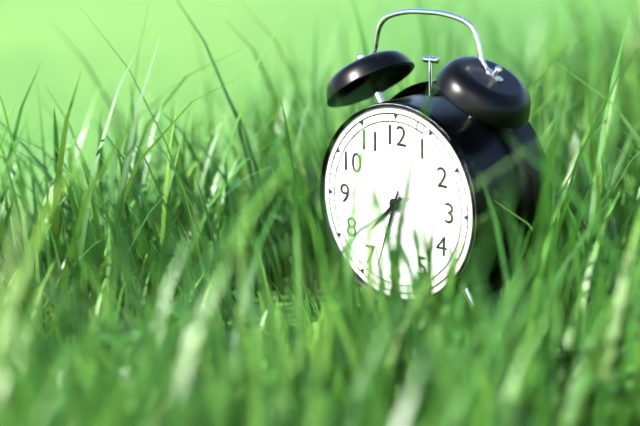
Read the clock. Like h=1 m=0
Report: h=7 m=33
